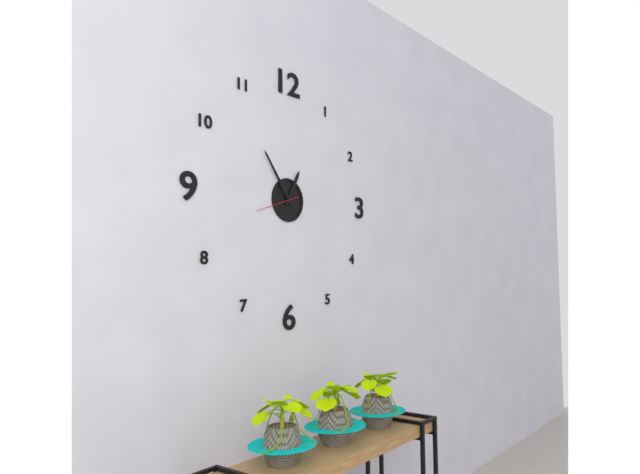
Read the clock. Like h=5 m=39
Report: h=12 m=54
